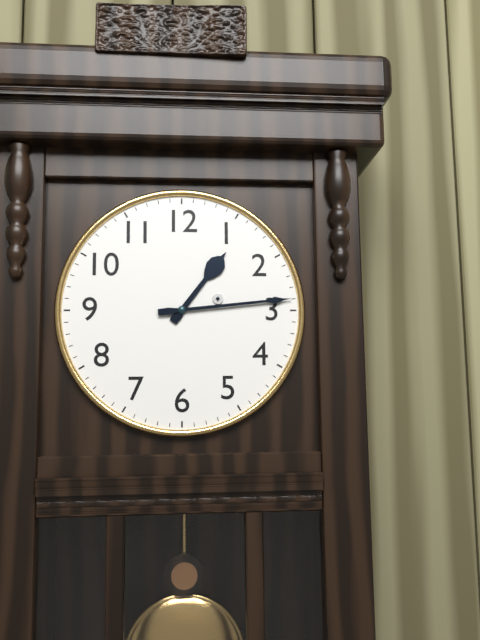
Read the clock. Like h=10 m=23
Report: h=1 m=14
